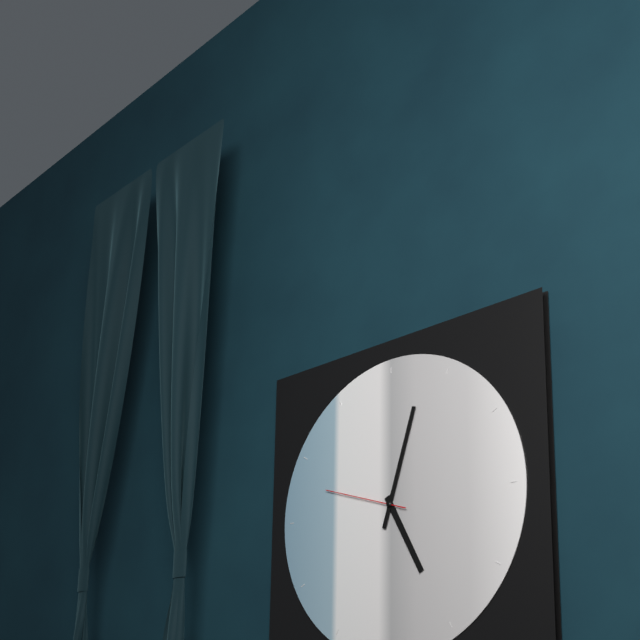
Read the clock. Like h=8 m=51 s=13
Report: h=5 m=3 s=48
